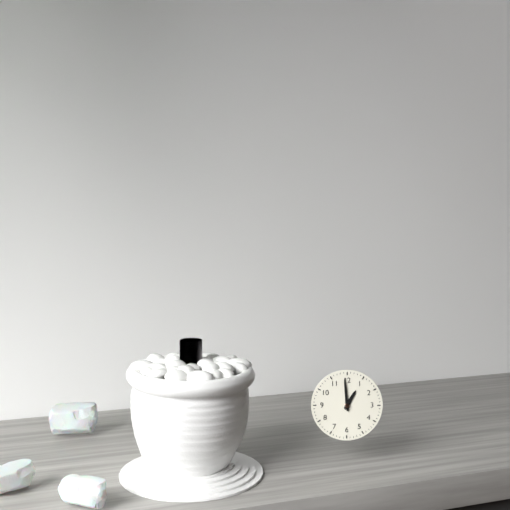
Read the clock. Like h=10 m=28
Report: h=12 m=59
